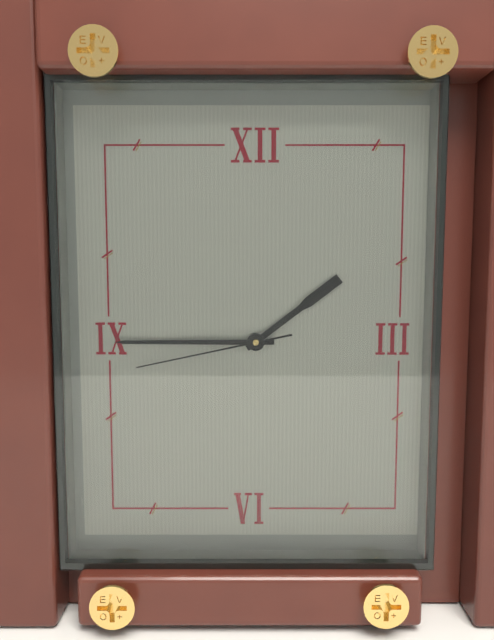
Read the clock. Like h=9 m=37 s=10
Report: h=1 m=45 s=43
